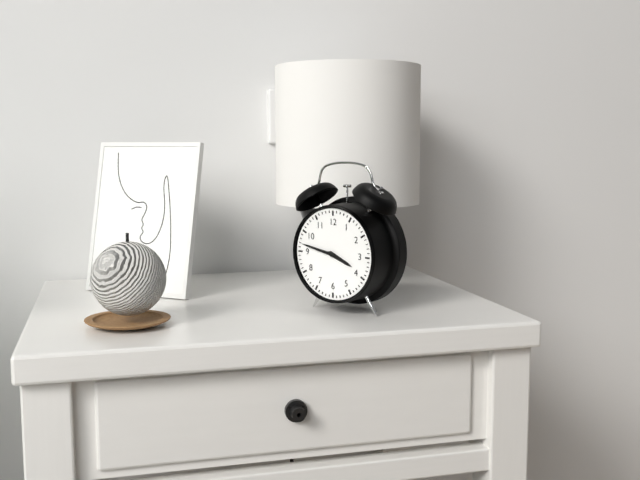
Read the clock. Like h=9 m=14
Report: h=3 m=47
